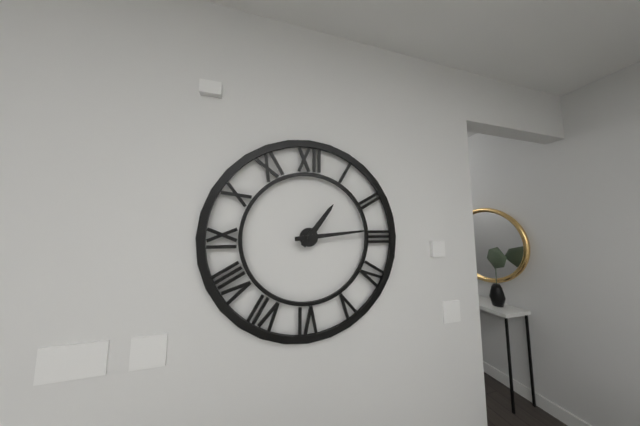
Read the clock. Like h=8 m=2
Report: h=1 m=14
